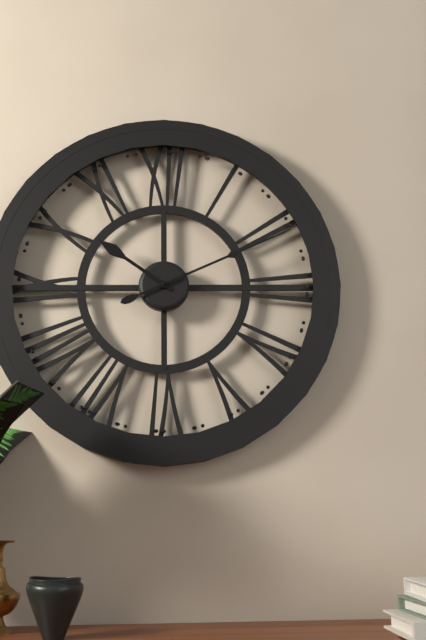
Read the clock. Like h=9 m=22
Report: h=10 m=11
